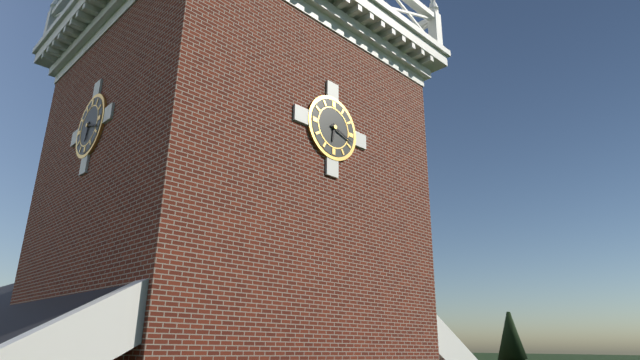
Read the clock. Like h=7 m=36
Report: h=6 m=18
